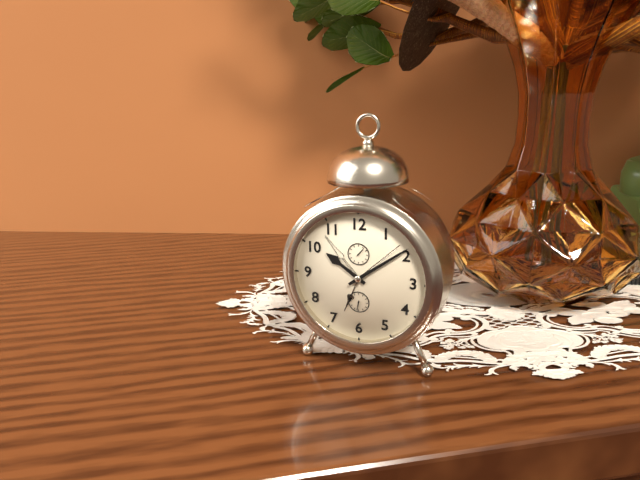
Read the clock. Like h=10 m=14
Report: h=10 m=9
